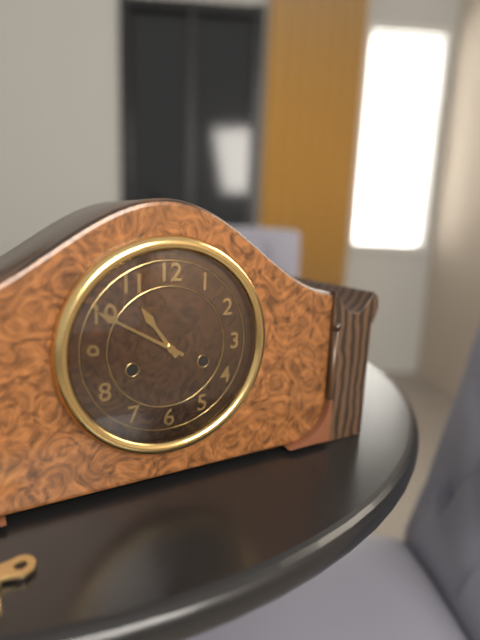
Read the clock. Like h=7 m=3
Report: h=10 m=50
